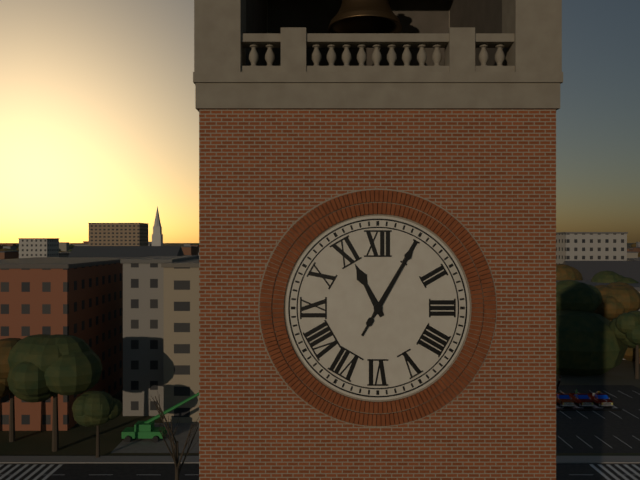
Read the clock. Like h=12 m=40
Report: h=11 m=5
